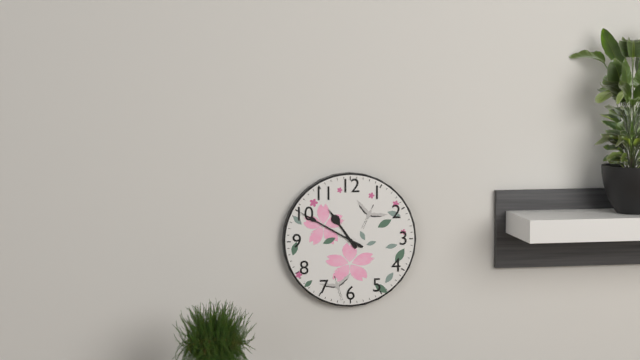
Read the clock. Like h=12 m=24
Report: h=10 m=50
